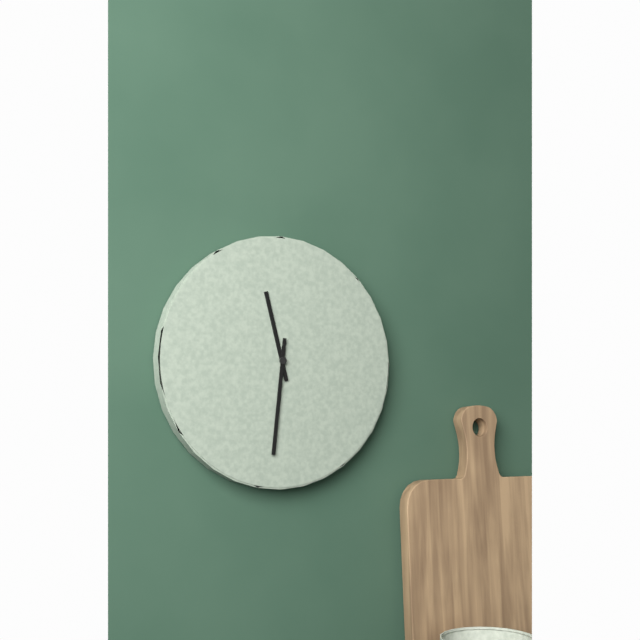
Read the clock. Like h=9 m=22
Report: h=11 m=31
